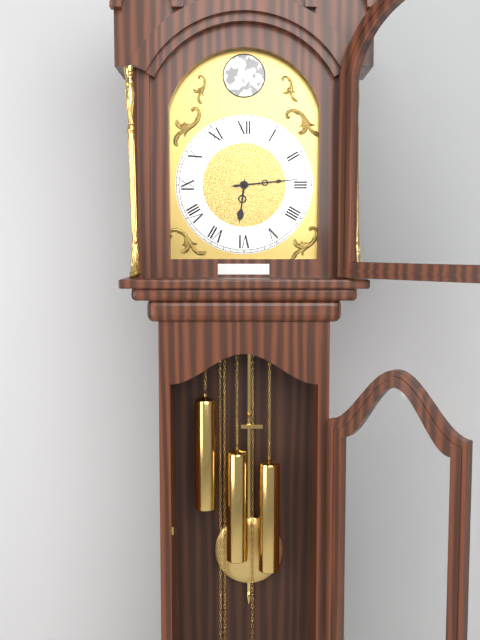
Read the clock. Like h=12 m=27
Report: h=6 m=14
